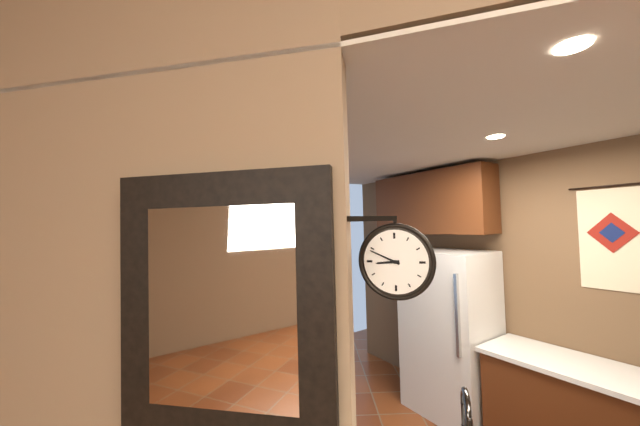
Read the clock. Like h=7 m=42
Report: h=8 m=49
